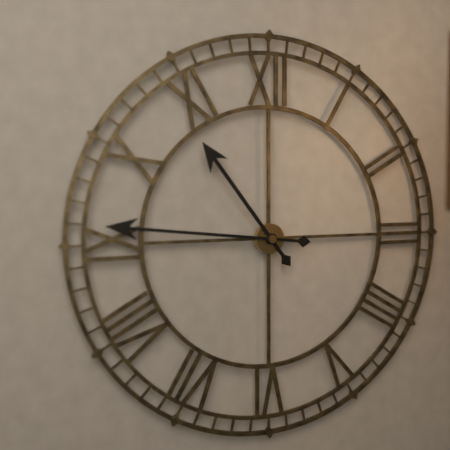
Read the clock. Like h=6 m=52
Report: h=10 m=46
